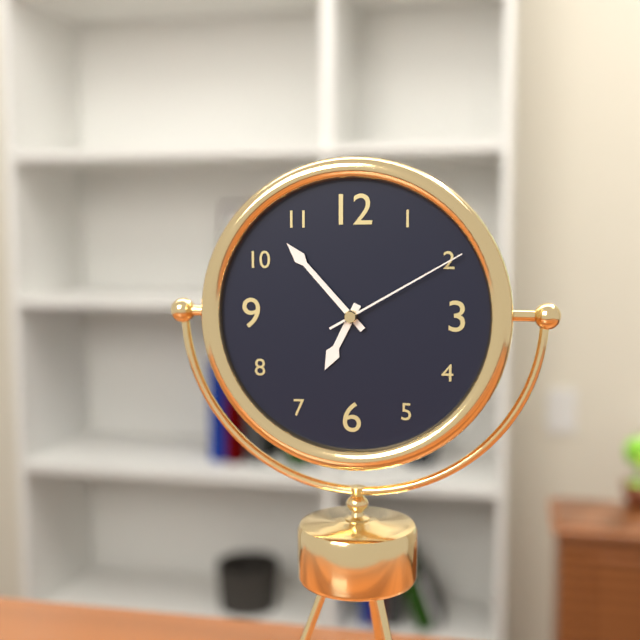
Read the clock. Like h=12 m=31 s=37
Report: h=6 m=53 s=10
